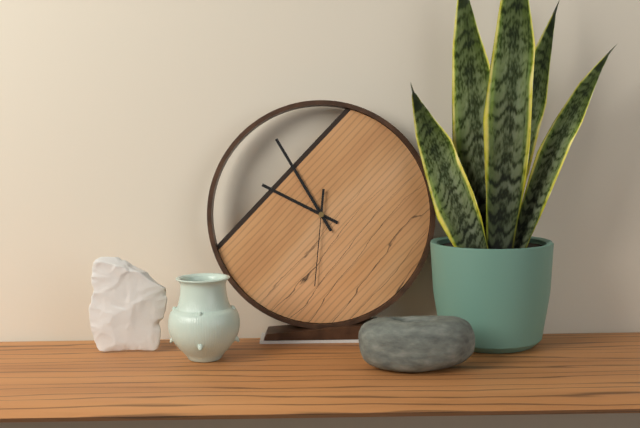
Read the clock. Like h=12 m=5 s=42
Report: h=9 m=55 s=31
